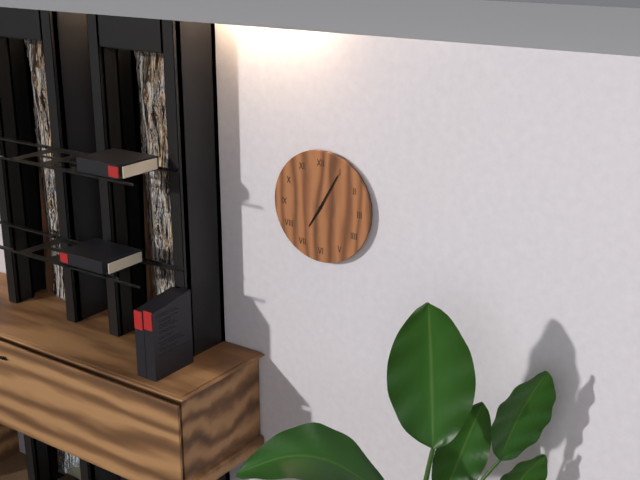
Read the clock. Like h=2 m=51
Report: h=7 m=5
